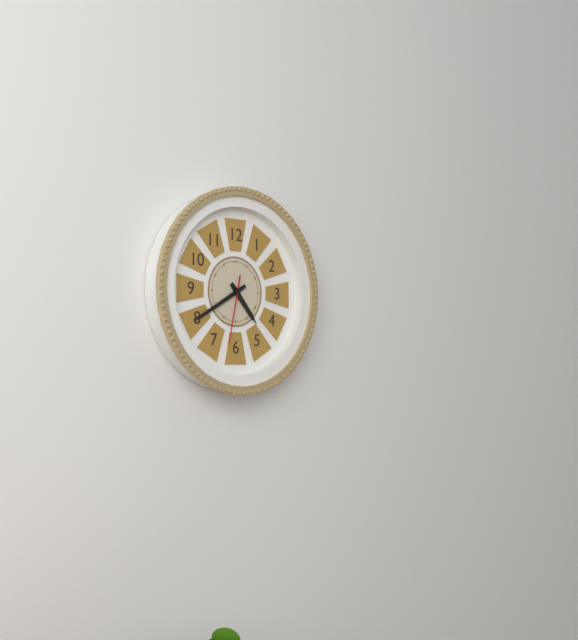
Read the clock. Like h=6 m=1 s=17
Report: h=4 m=40 s=32
